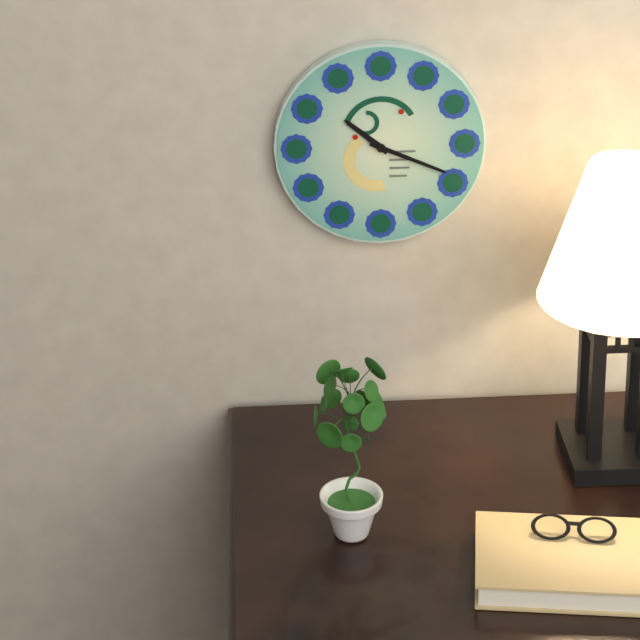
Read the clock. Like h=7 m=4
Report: h=10 m=19
